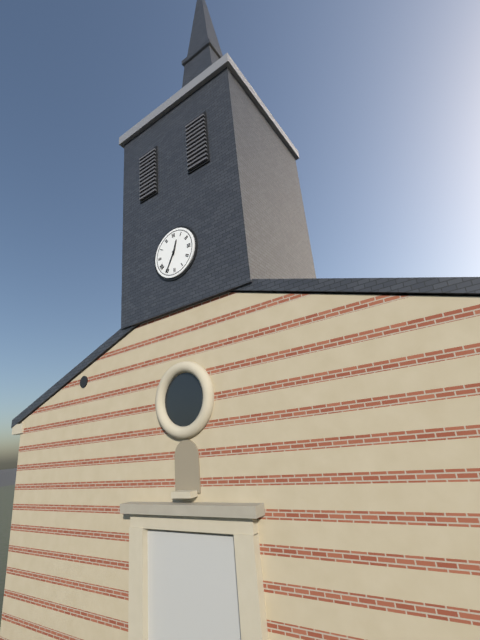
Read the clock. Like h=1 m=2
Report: h=12 m=35
